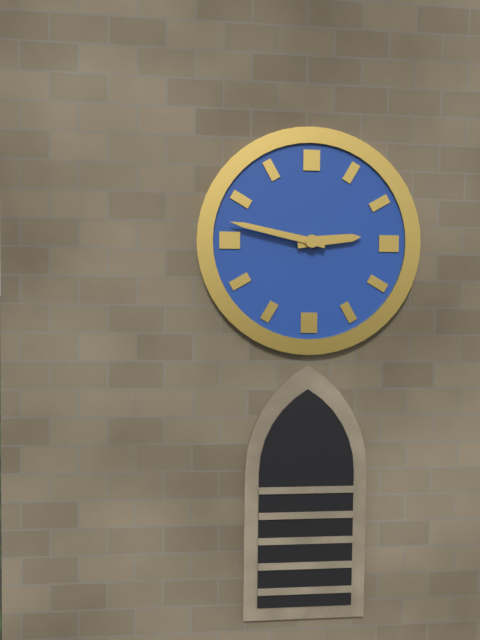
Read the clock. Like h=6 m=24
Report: h=2 m=47
